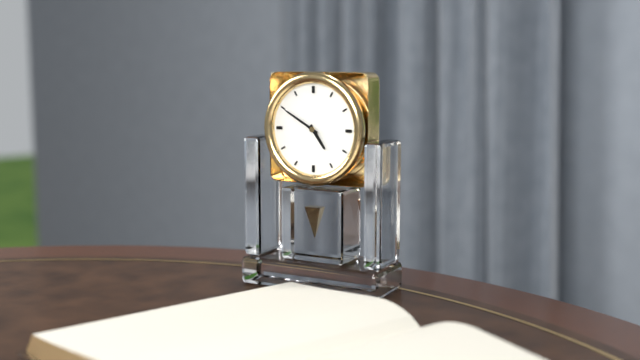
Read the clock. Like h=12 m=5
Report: h=4 m=50
